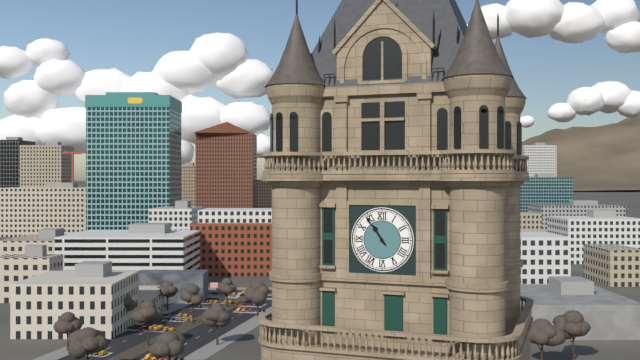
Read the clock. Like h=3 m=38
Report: h=10 m=54
